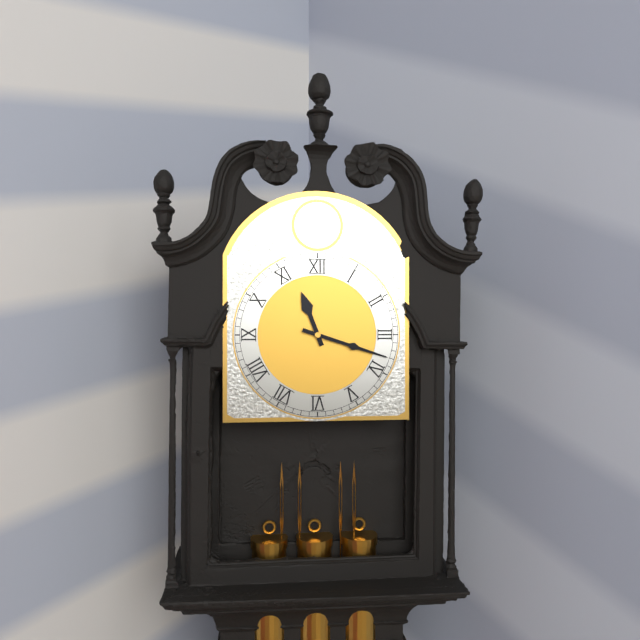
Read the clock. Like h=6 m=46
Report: h=11 m=18
